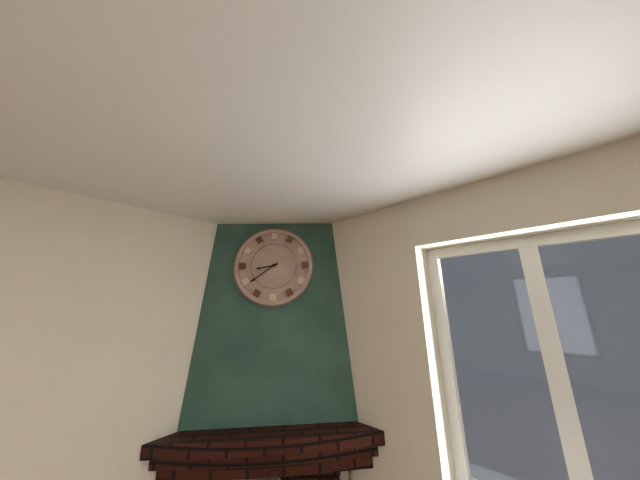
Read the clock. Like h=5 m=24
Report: h=8 m=39
